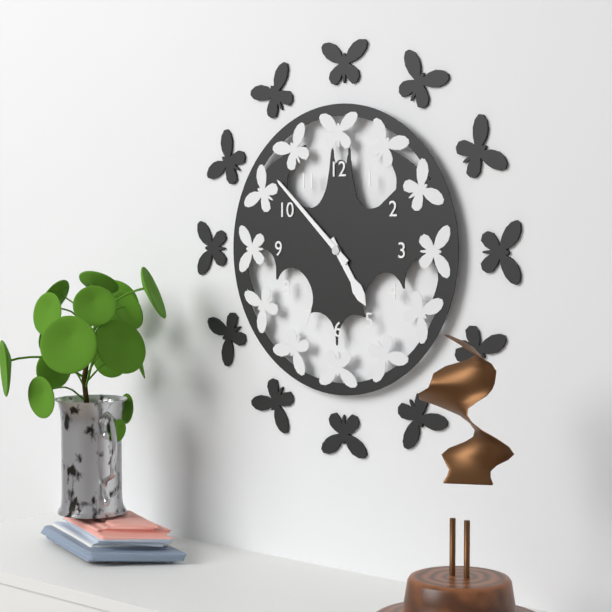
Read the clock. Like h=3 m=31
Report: h=4 m=52
